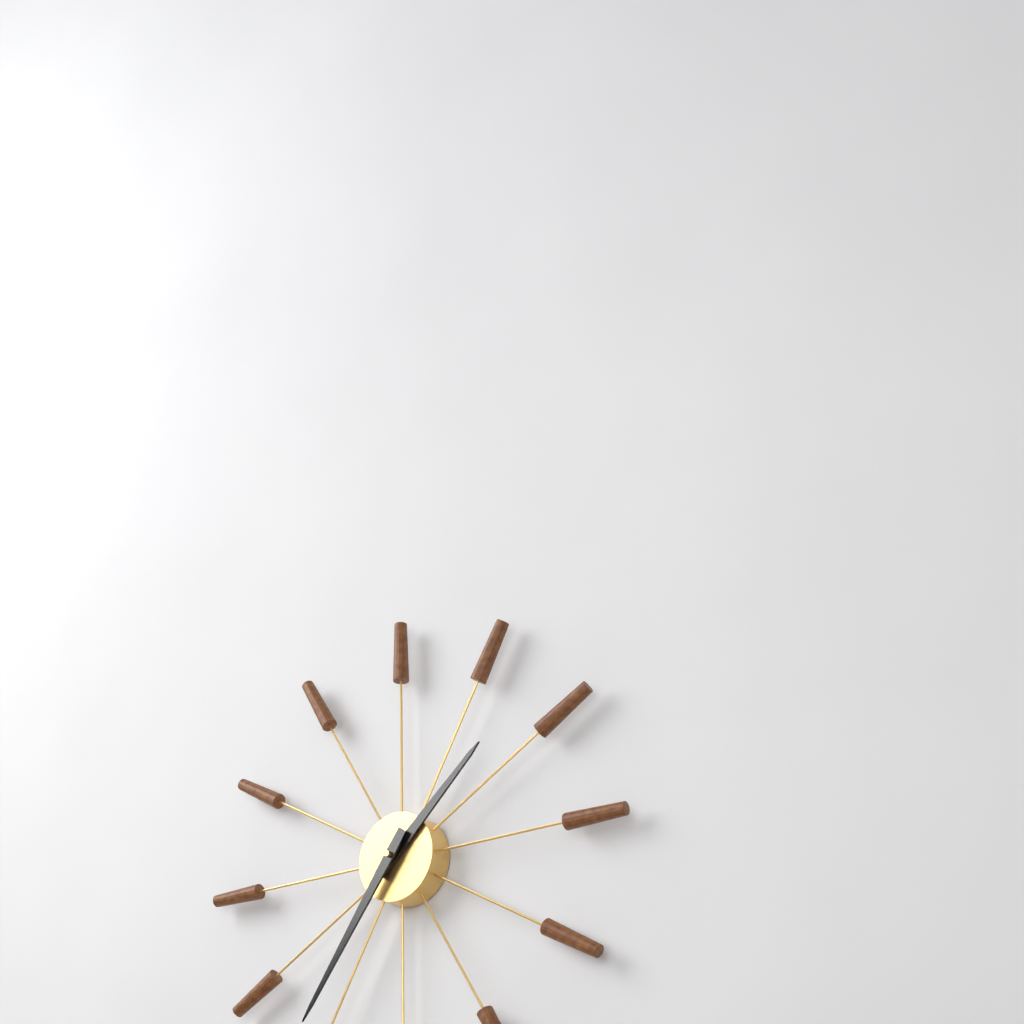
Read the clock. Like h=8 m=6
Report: h=1 m=36
